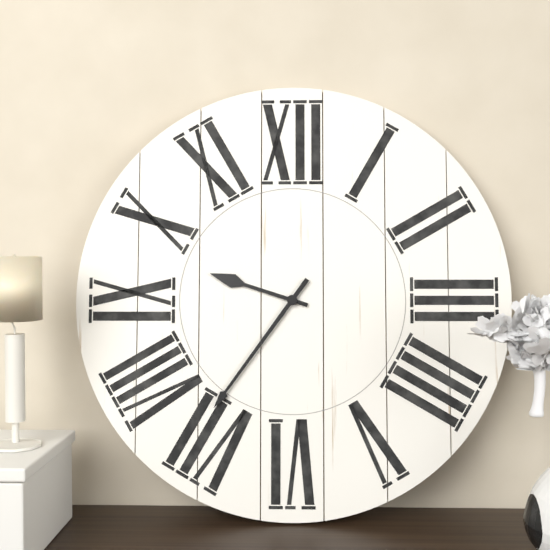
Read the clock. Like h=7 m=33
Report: h=9 m=36
